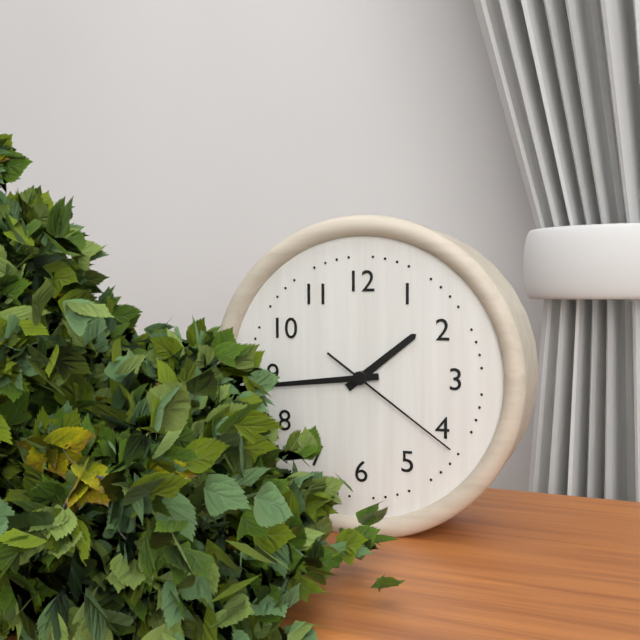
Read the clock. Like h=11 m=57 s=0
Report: h=1 m=44 s=21
